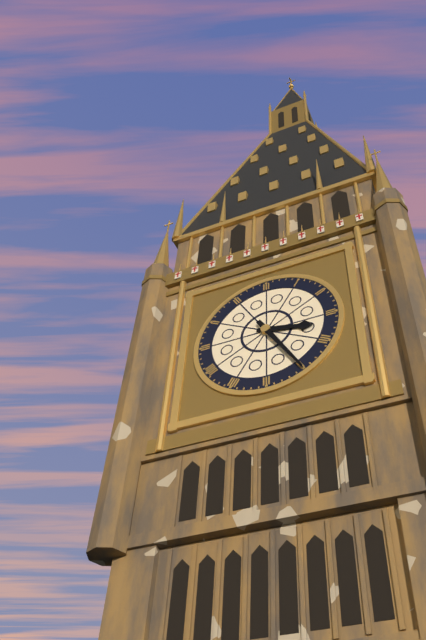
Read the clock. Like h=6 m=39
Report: h=3 m=25
